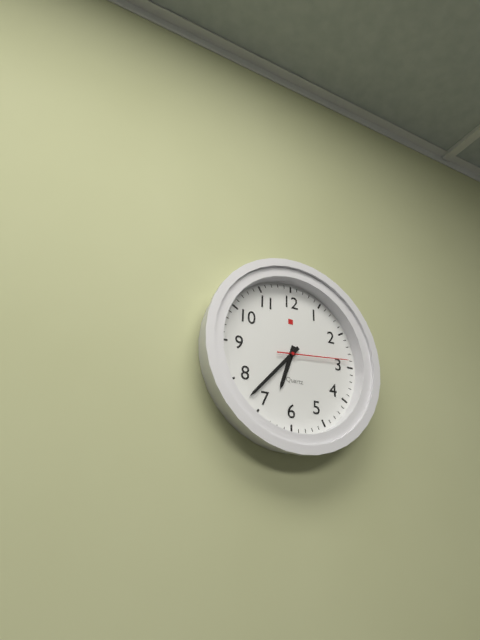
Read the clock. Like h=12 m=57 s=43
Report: h=6 m=37 s=14
